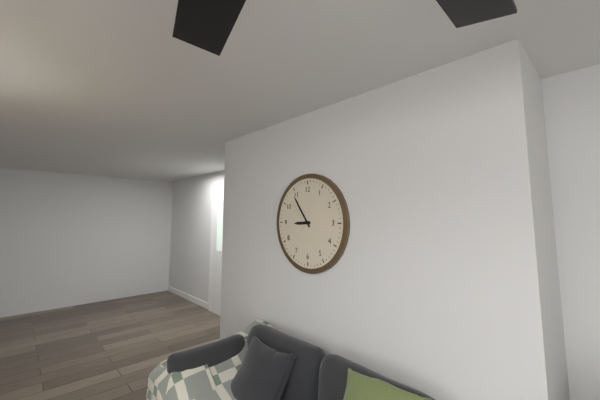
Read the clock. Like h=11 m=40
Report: h=8 m=54
